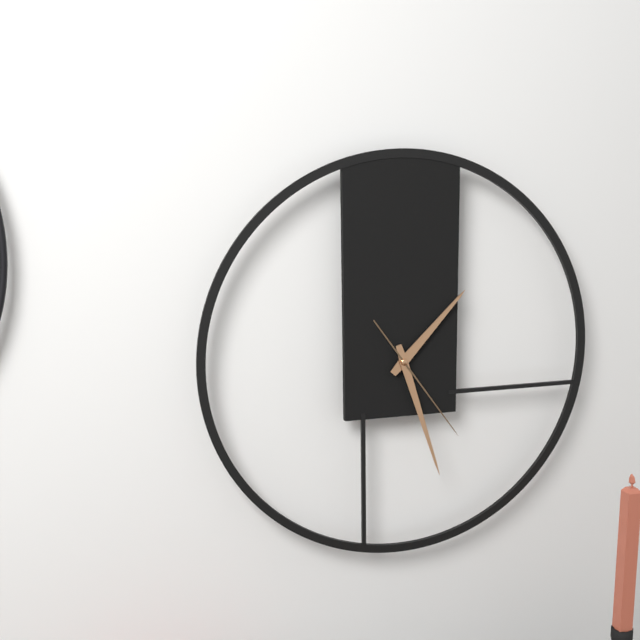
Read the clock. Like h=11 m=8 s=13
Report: h=1 m=27 s=24
